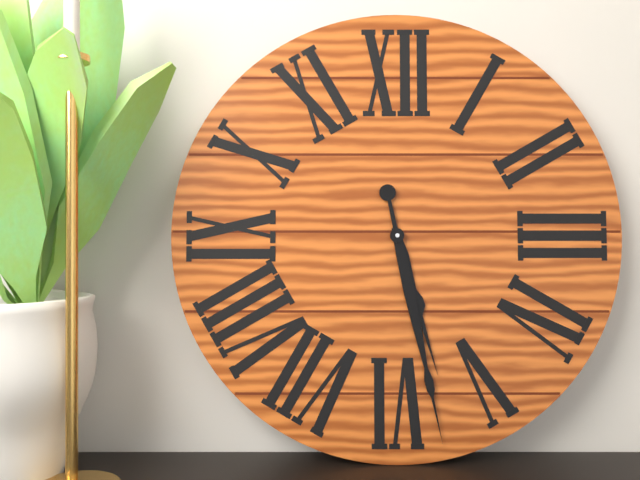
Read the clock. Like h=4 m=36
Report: h=5 m=28
